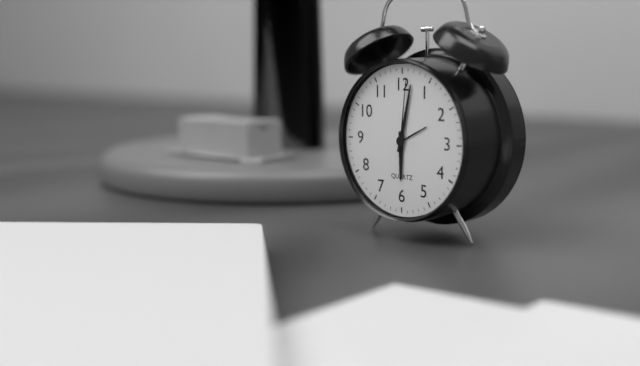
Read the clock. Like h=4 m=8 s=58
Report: h=6 m=2 s=1
